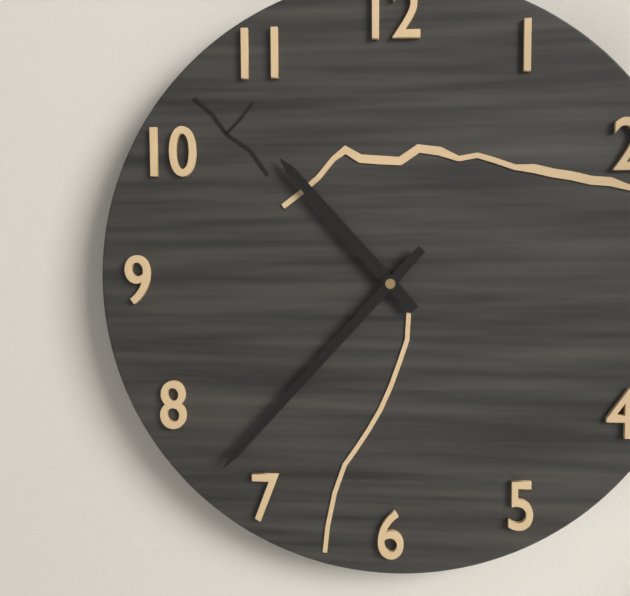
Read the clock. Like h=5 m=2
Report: h=10 m=37
